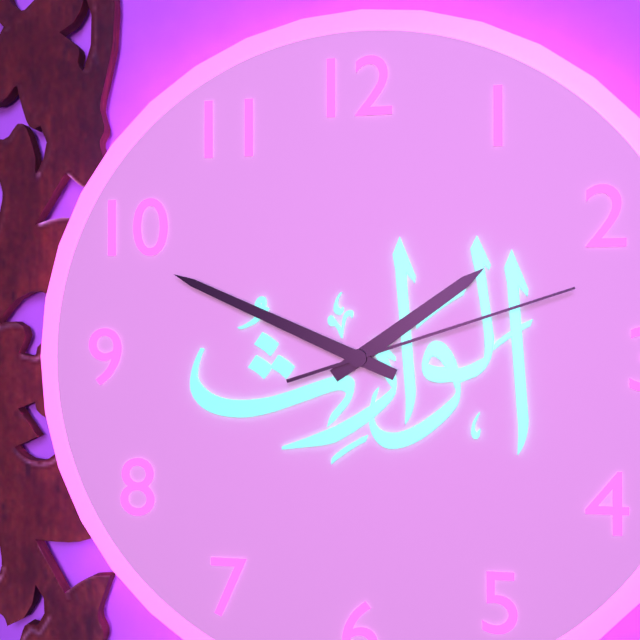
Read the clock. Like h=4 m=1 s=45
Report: h=1 m=49 s=12
